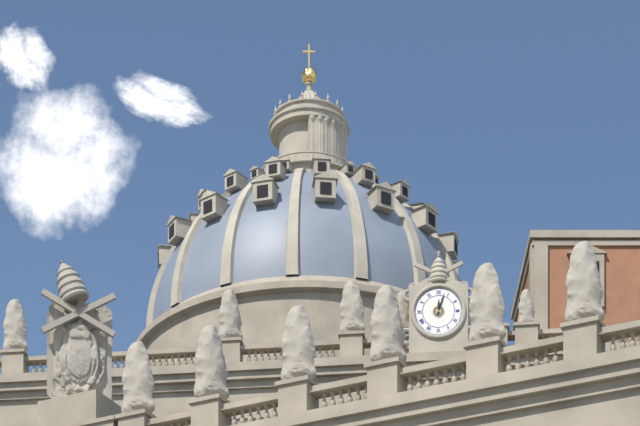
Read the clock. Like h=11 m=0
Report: h=12 m=3
